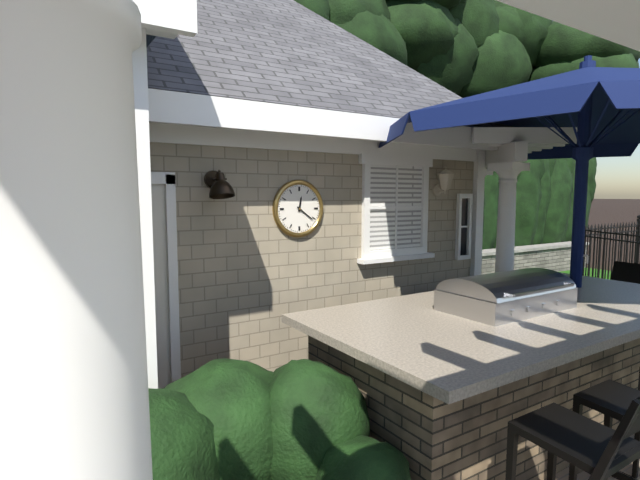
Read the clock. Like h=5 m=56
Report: h=12 m=21
